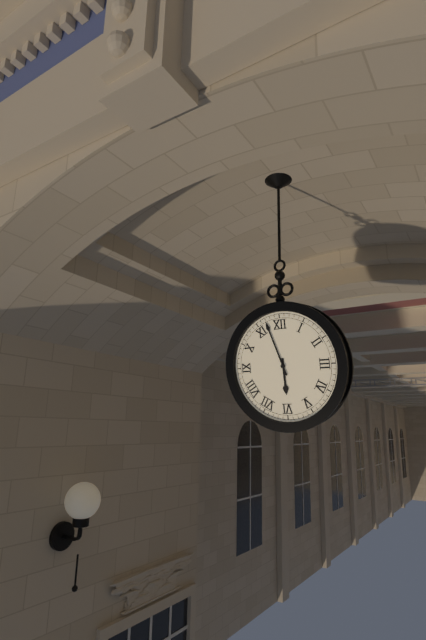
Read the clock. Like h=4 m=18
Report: h=5 m=57
